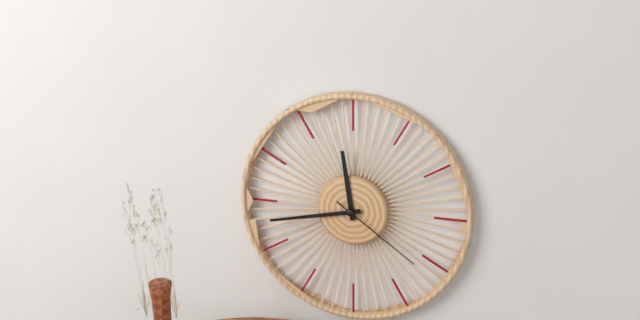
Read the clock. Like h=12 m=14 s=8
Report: h=11 m=43 s=21
